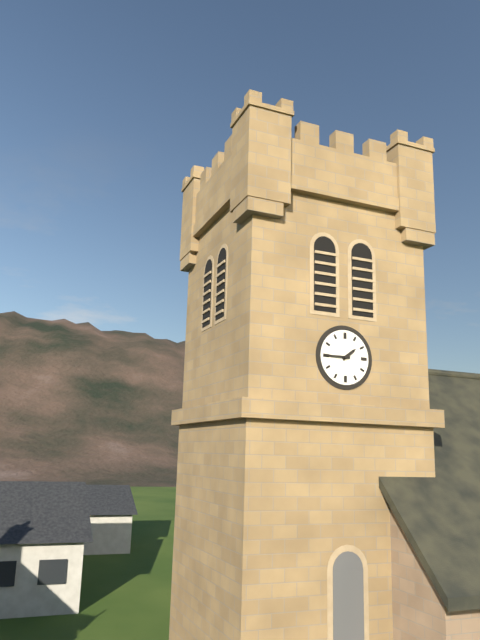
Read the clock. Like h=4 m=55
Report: h=1 m=45
